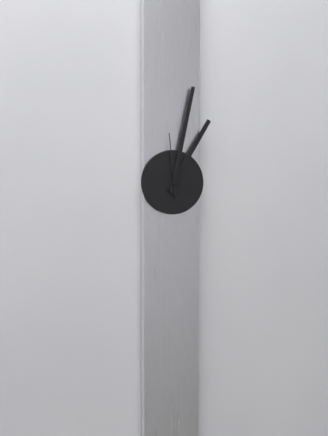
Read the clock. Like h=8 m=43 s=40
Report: h=1 m=2 s=59
